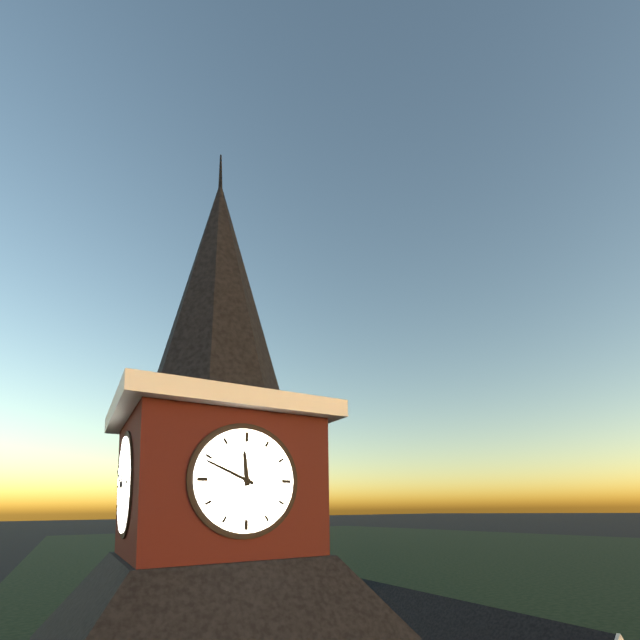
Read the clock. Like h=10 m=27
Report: h=11 m=49
